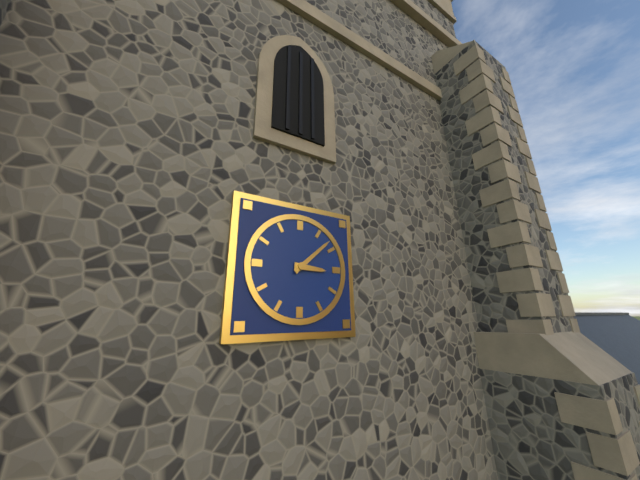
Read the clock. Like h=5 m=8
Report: h=3 m=8
